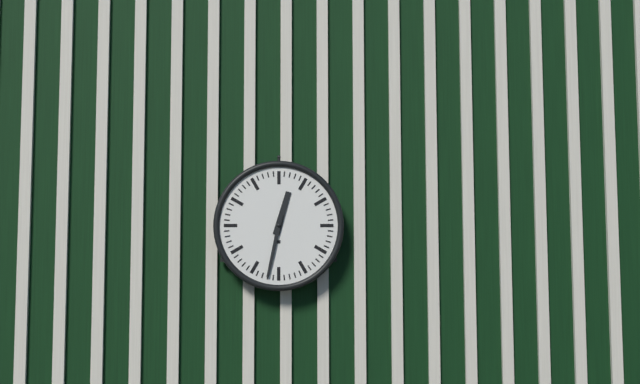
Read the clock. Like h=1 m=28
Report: h=12 m=32
